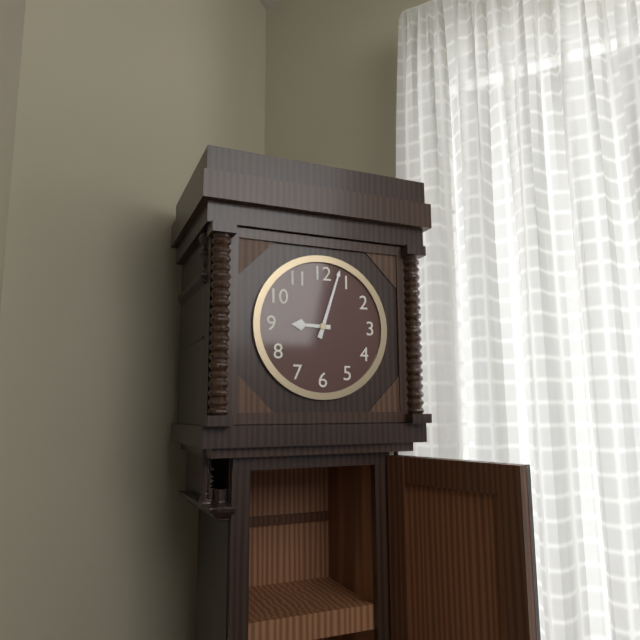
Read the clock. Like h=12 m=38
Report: h=9 m=3
